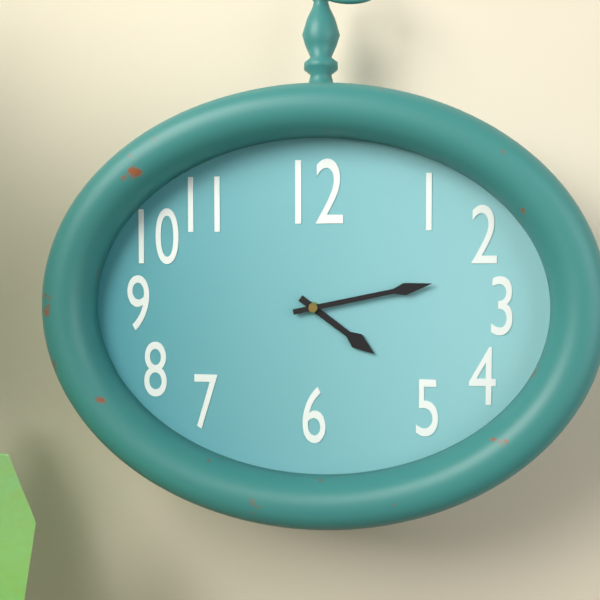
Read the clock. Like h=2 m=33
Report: h=4 m=13
